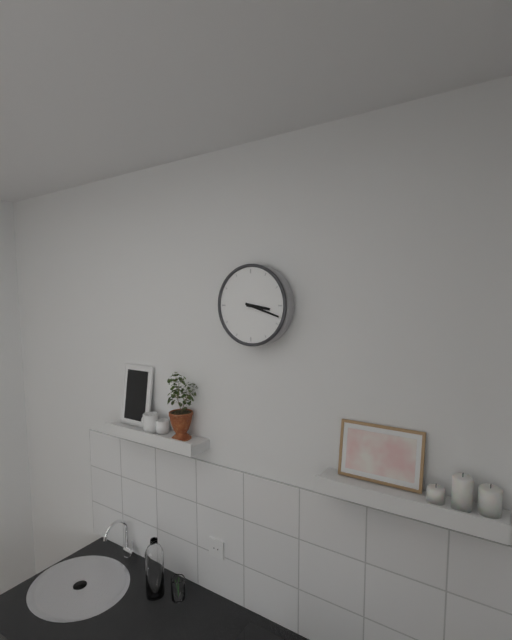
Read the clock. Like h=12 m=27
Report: h=3 m=18
